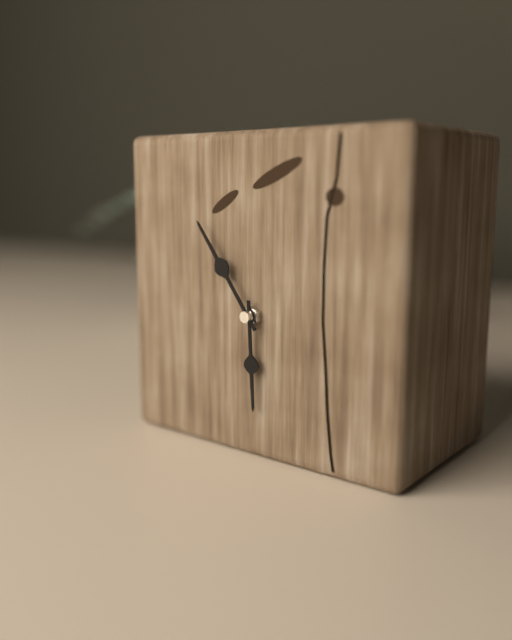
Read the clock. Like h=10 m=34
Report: h=5 m=54
